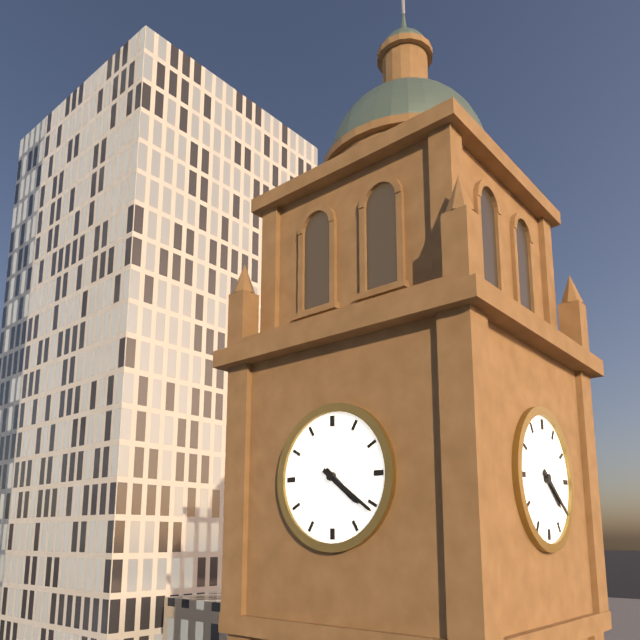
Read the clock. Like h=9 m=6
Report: h=4 m=21
